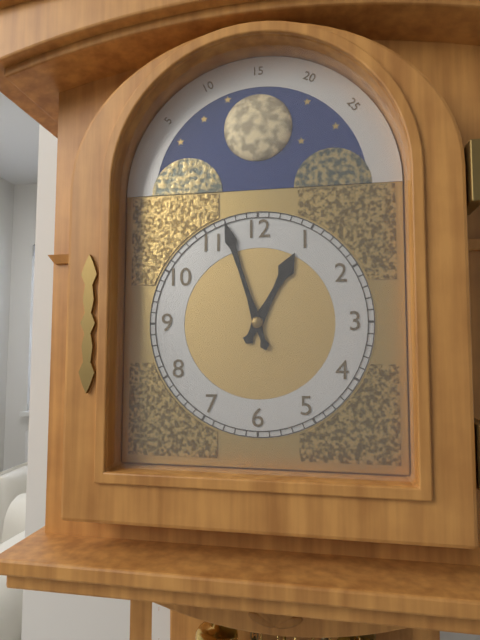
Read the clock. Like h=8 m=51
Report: h=12 m=57
